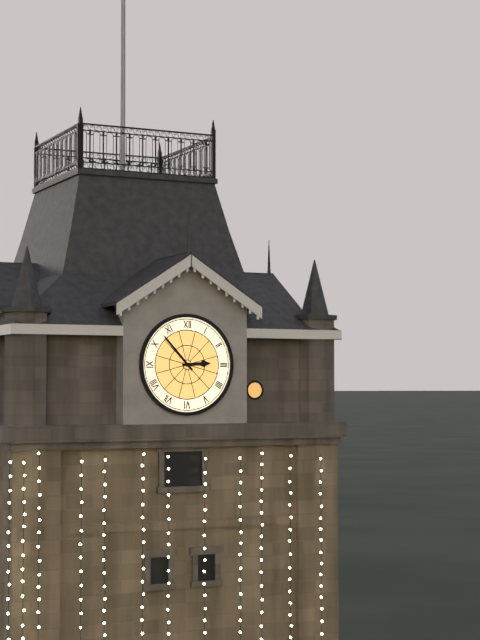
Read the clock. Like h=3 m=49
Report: h=2 m=53
